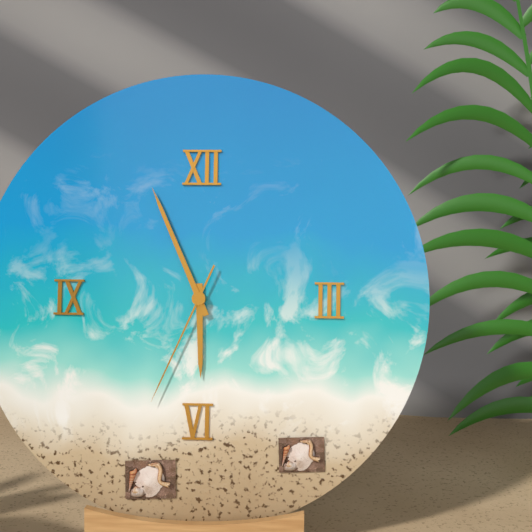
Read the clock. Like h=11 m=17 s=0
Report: h=5 m=56 s=34
